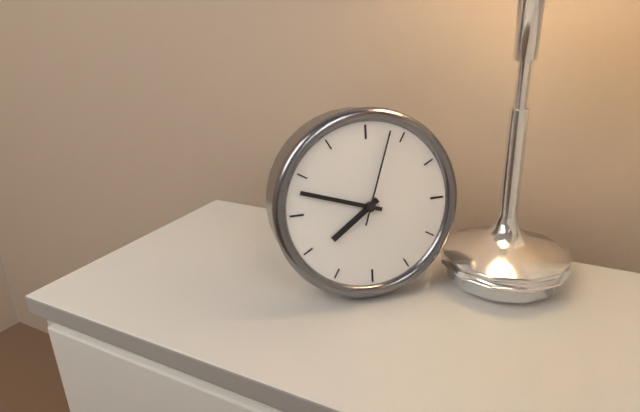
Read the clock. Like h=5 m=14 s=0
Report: h=7 m=48 s=3
